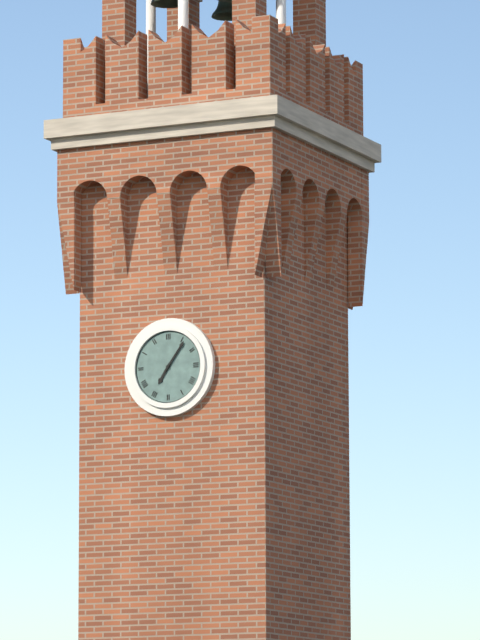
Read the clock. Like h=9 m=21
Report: h=7 m=6
